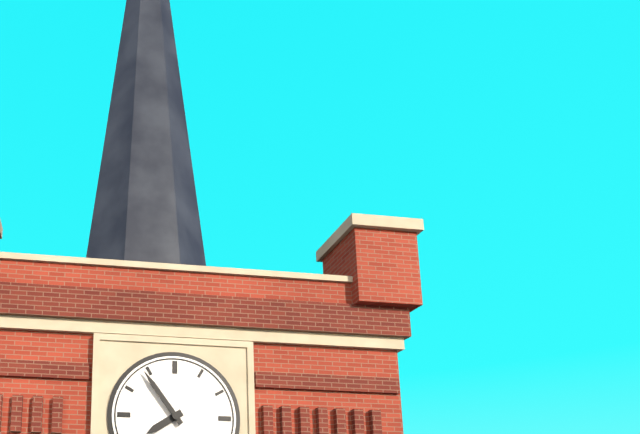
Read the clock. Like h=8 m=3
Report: h=7 m=54
